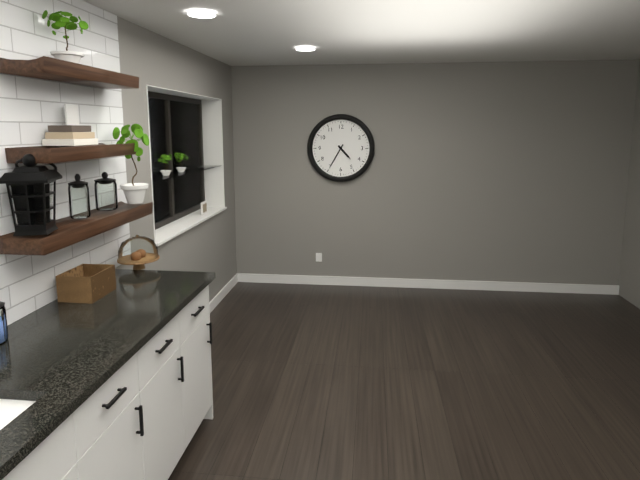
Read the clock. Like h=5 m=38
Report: h=4 m=35
